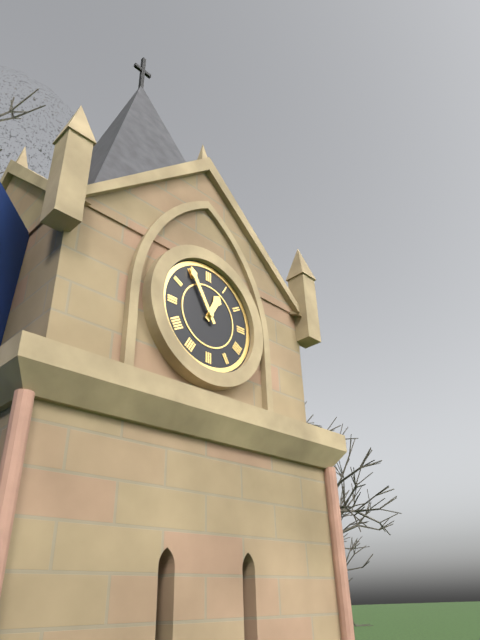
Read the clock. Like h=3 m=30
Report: h=12 m=55
